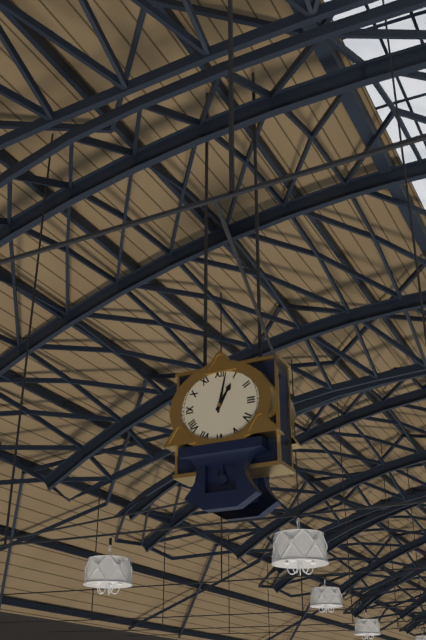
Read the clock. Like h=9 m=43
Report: h=1 m=2
